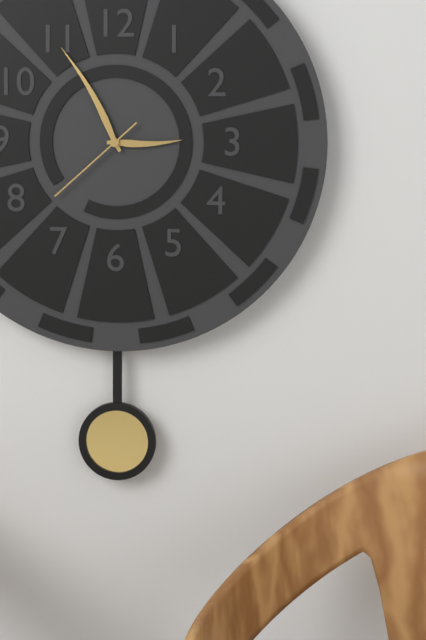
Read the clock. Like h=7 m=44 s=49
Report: h=2 m=55 s=38
